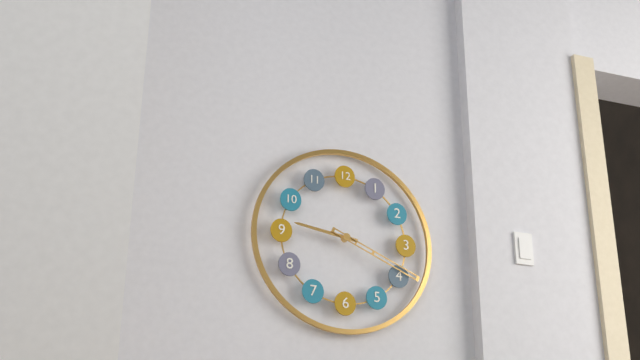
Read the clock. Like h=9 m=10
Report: h=9 m=19
